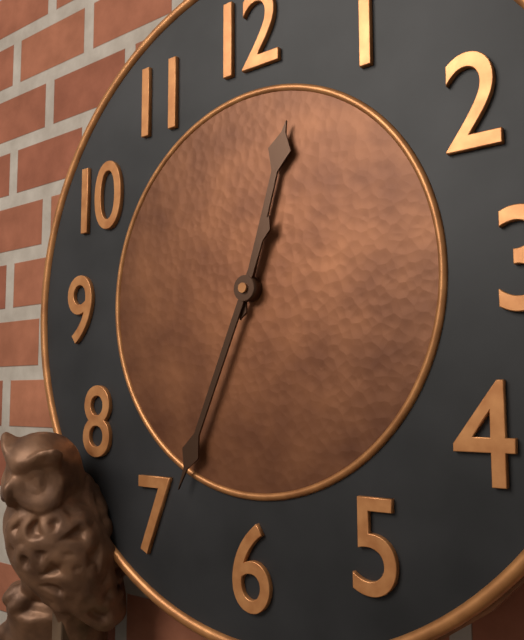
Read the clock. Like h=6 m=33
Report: h=12 m=34
